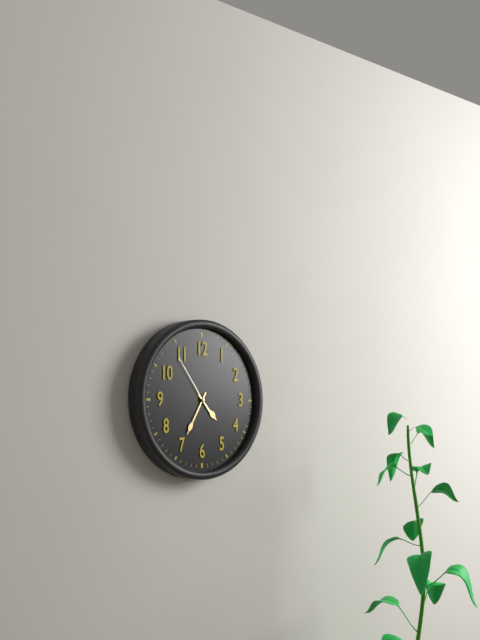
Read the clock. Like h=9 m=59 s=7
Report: h=4 m=35 s=54
